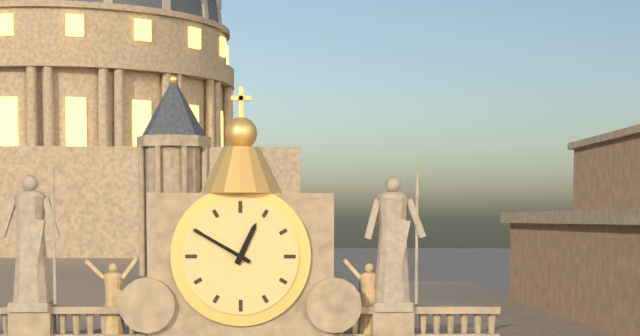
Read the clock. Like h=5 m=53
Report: h=12 m=50
